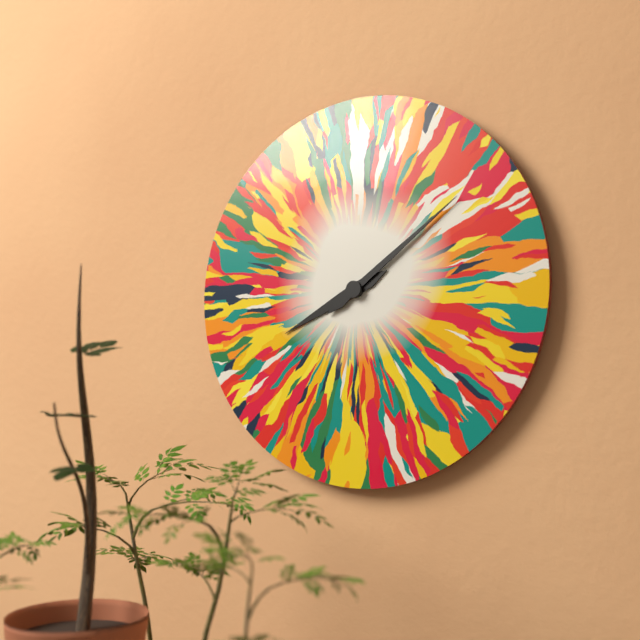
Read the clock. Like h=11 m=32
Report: h=8 m=9
